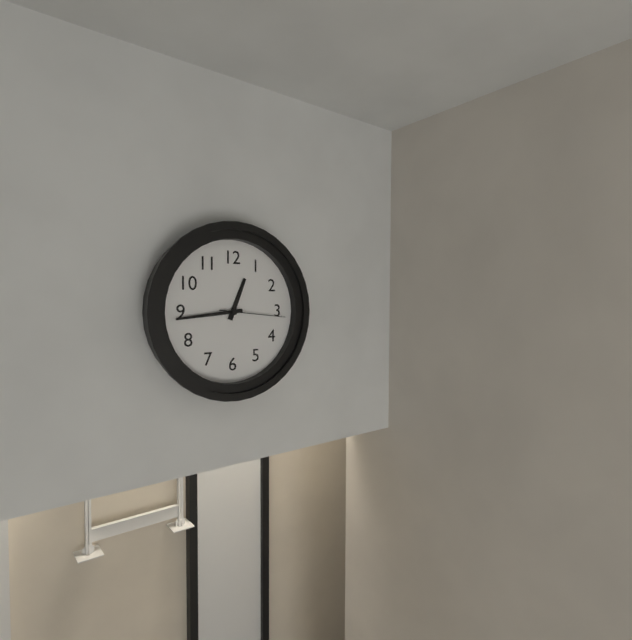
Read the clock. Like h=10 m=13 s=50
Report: h=12 m=44 s=16
